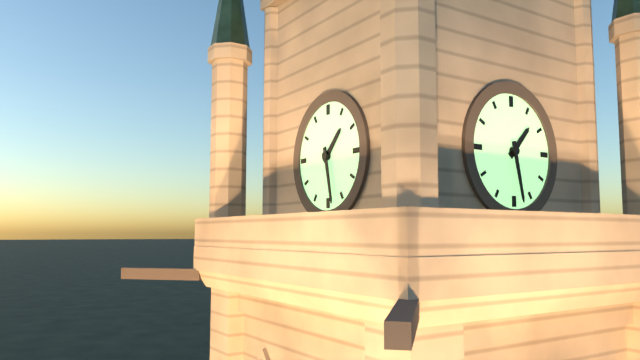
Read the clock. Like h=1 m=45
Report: h=1 m=28
